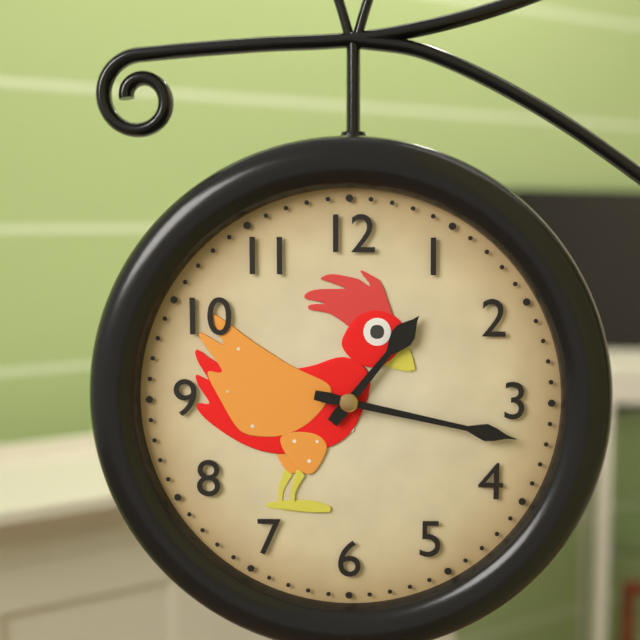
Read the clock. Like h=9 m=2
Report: h=1 m=17
